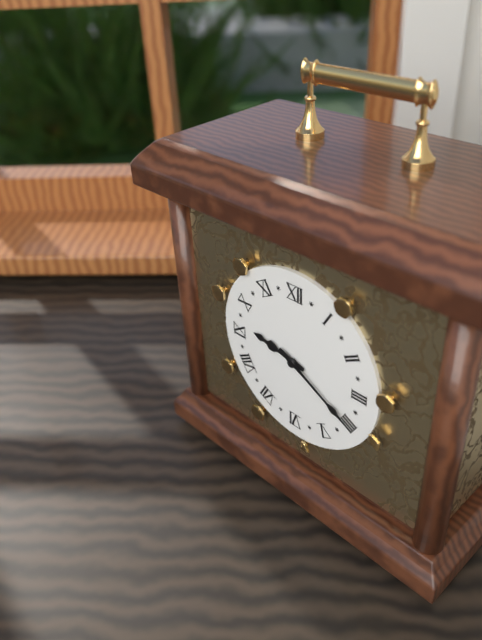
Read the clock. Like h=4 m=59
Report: h=9 m=20
